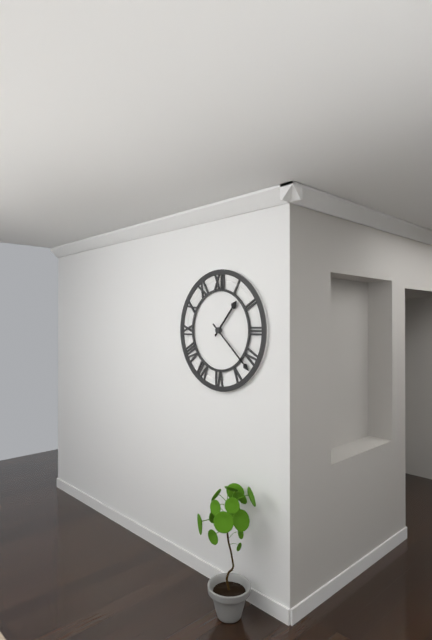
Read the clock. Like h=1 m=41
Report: h=1 m=22
